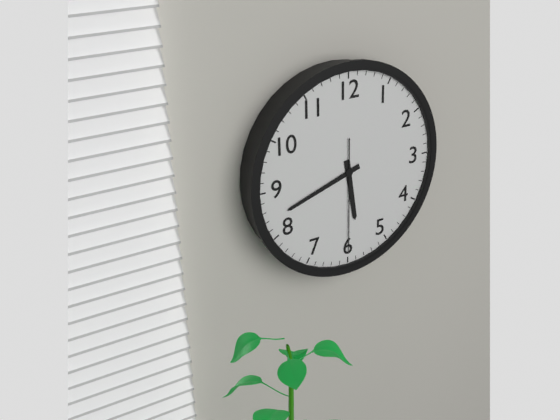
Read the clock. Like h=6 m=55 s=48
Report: h=5 m=42 s=30
